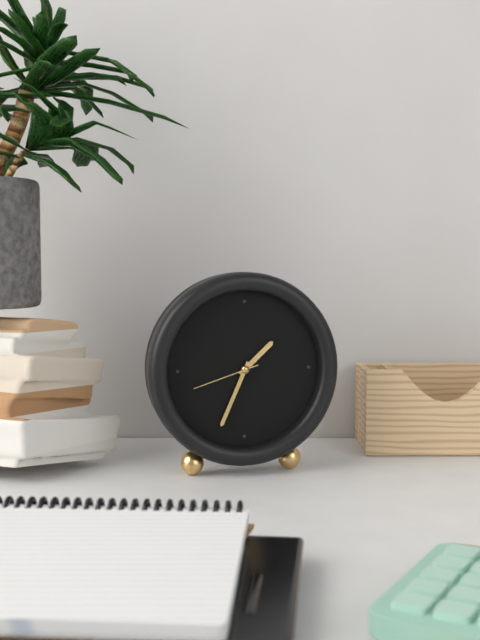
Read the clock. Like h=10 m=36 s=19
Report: h=1 m=34 s=42
